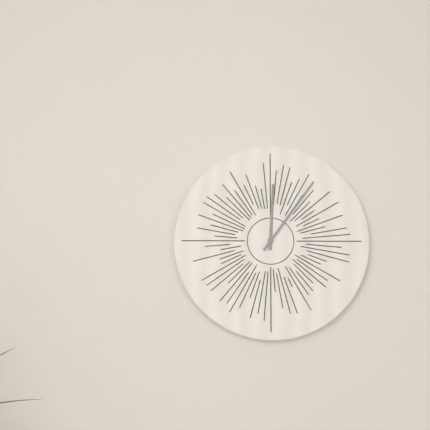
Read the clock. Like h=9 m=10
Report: h=12 m=6
